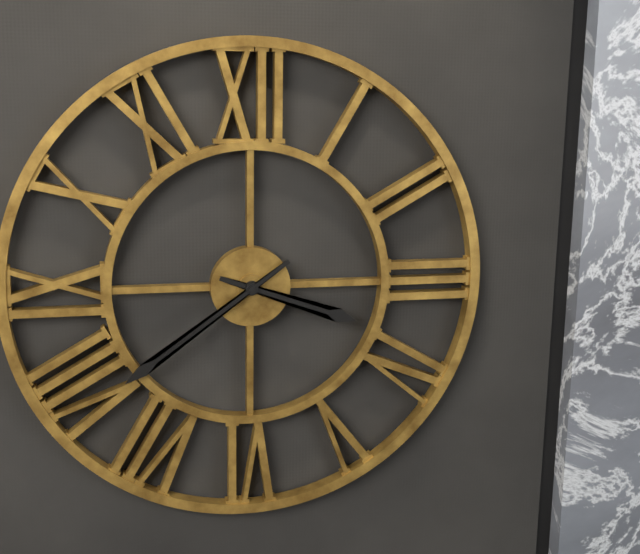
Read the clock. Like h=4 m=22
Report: h=3 m=39
